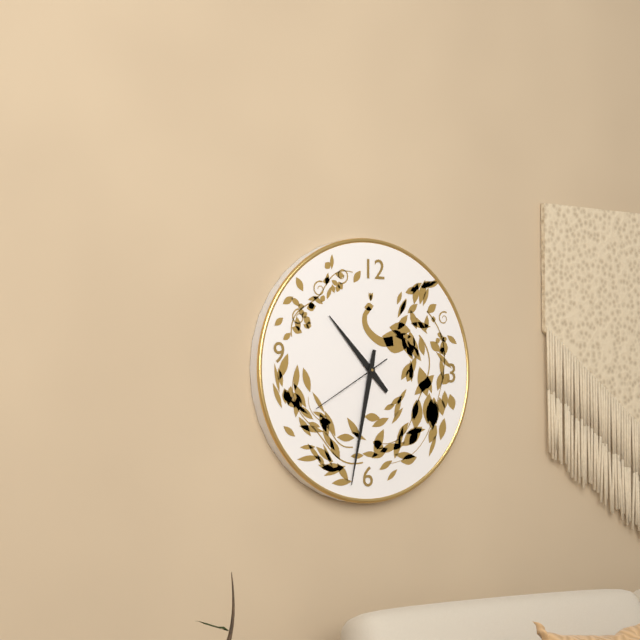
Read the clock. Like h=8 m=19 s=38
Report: h=10 m=32 s=40
